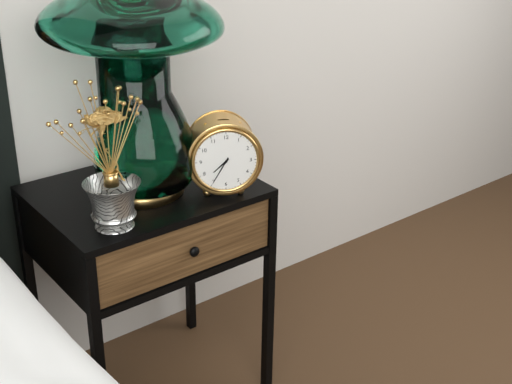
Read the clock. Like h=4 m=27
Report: h=7 m=35
